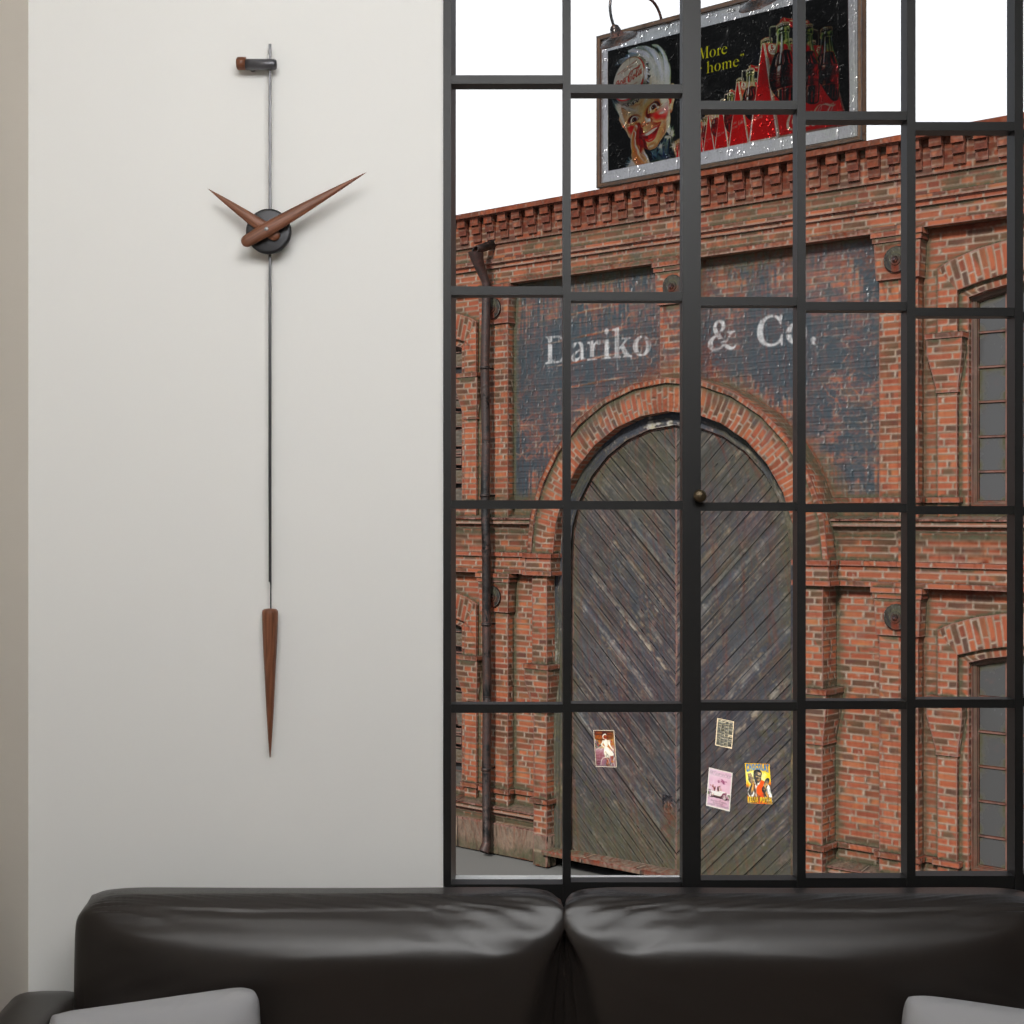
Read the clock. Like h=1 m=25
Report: h=10 m=10
